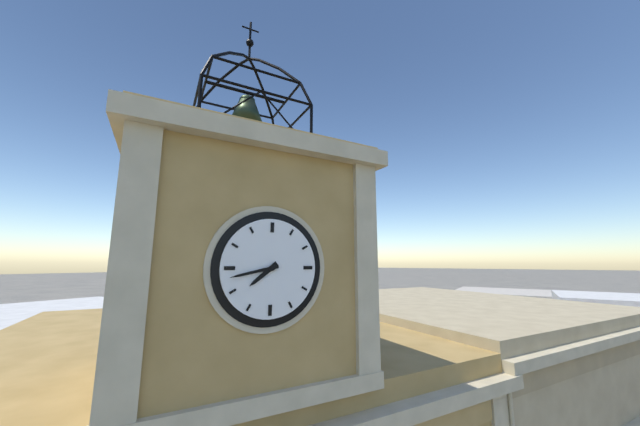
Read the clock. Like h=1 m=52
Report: h=7 m=43
